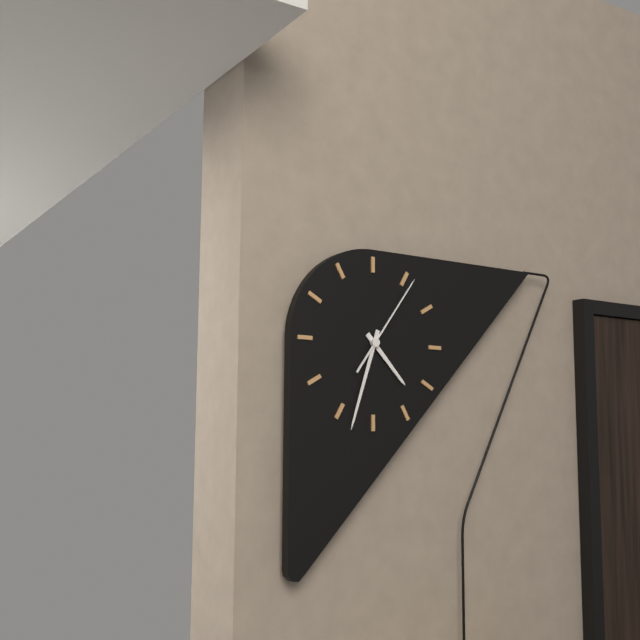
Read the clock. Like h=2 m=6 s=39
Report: h=4 m=33 s=6
